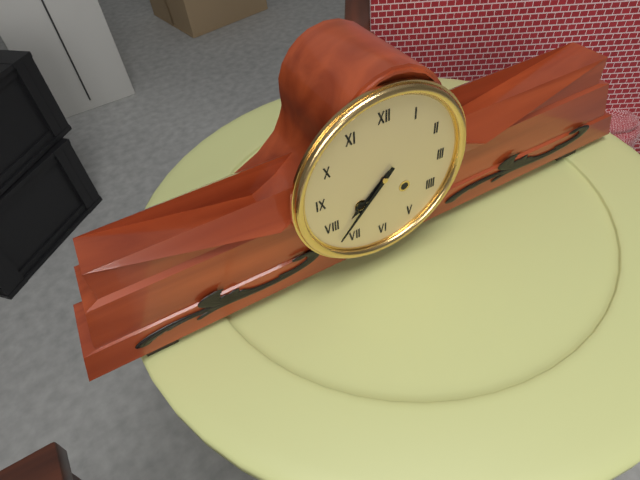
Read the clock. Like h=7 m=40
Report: h=7 m=37
